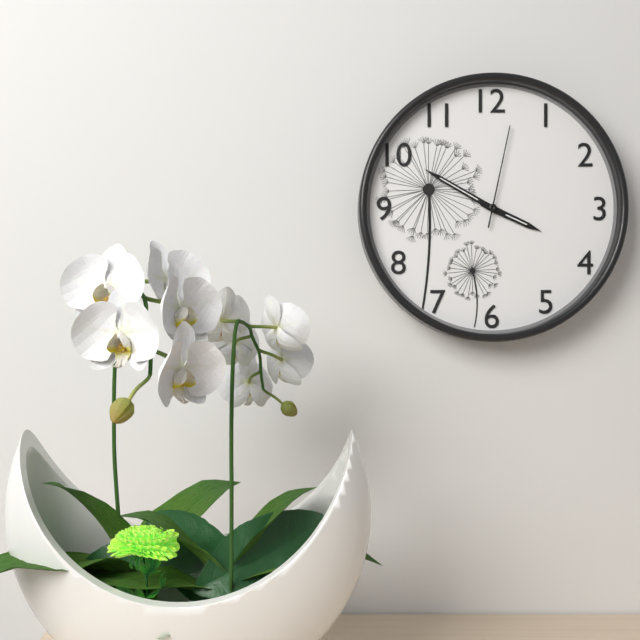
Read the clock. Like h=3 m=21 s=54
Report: h=3 m=50 s=2
